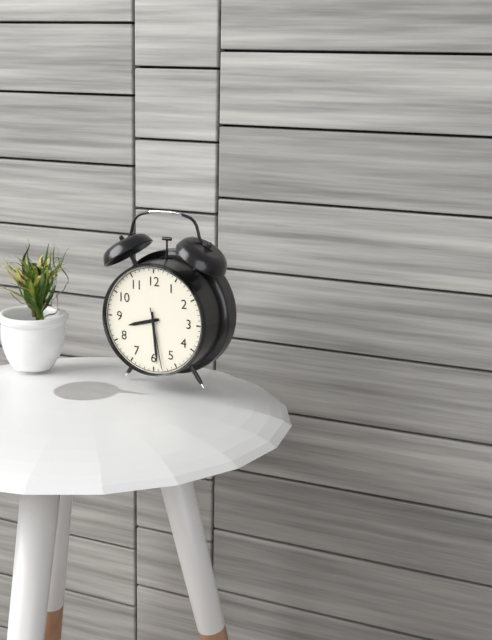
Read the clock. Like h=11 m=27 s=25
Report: h=8 m=29 s=28
